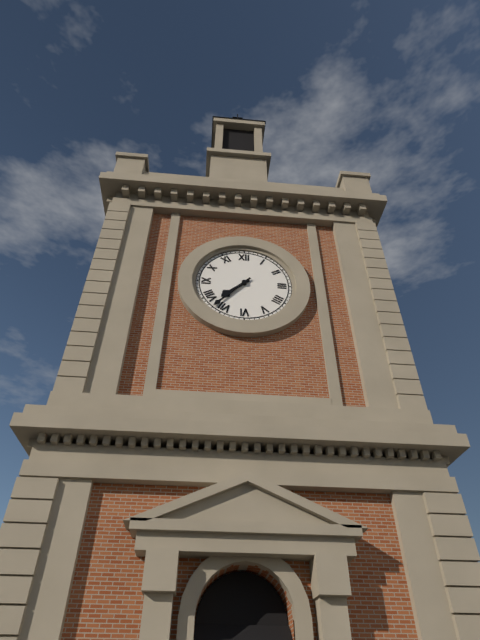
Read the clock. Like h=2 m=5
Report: h=7 m=37
